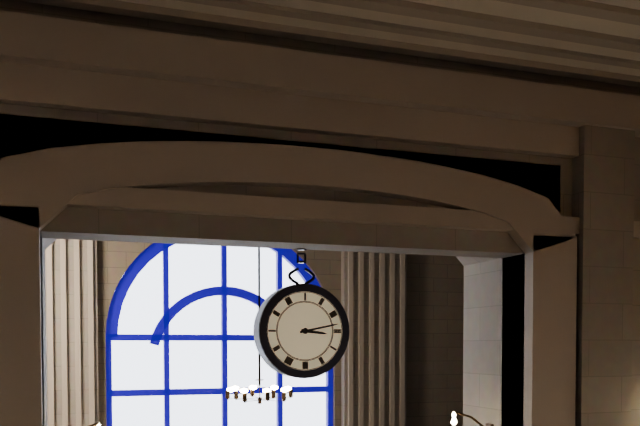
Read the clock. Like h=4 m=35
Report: h=3 m=13
